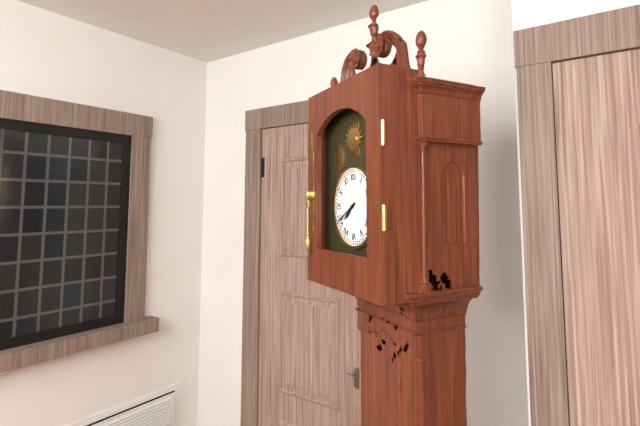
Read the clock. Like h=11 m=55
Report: h=7 m=40
